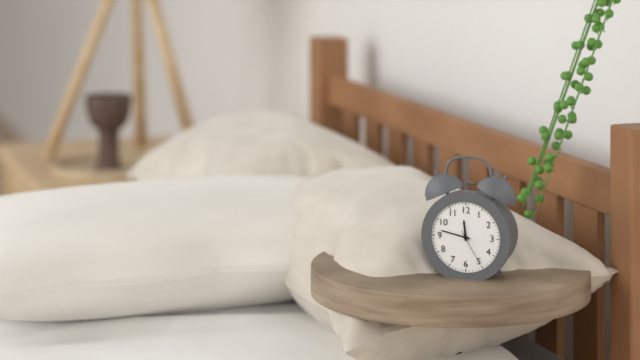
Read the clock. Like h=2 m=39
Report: h=11 m=47
